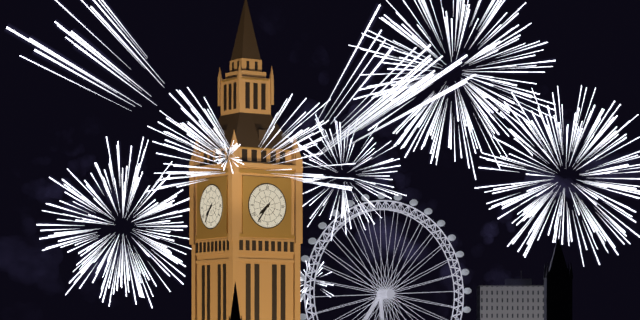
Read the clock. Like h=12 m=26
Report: h=7 m=36
